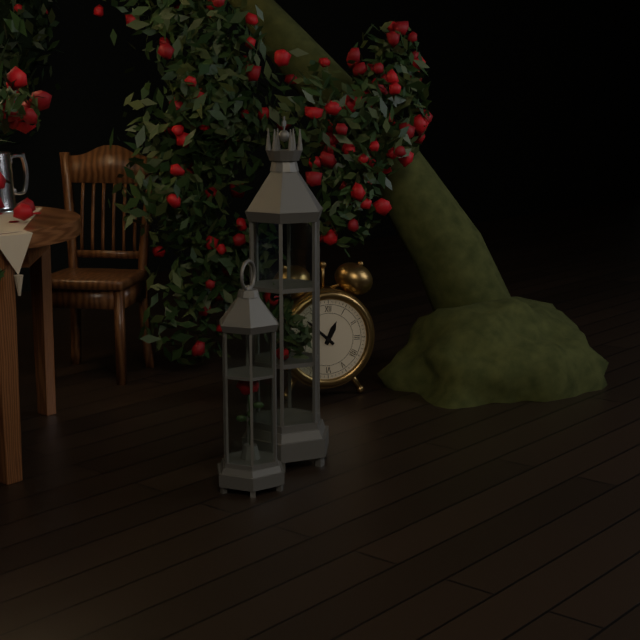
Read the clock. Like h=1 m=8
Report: h=12 m=52
